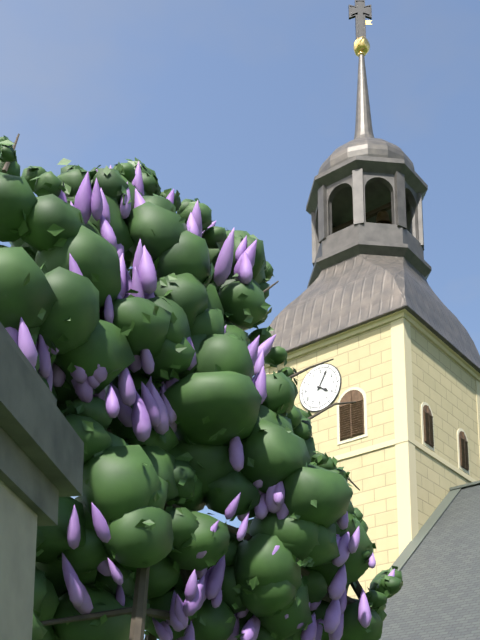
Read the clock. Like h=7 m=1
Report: h=4 m=5
